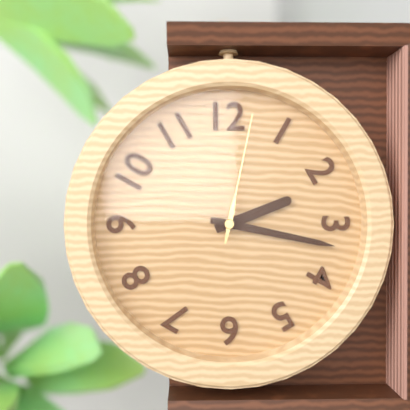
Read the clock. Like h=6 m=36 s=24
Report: h=2 m=17 s=2
